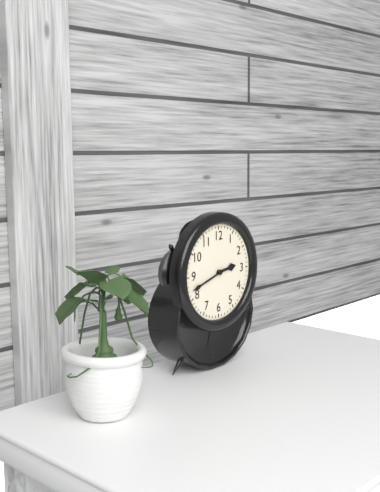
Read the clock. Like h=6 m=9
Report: h=2 m=42
